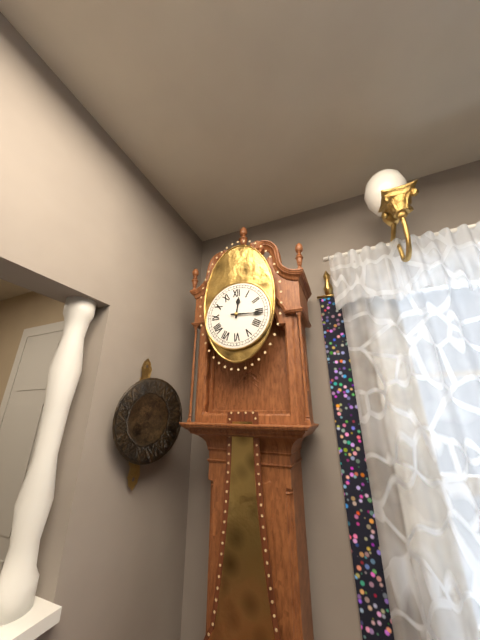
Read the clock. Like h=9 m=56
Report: h=12 m=16
